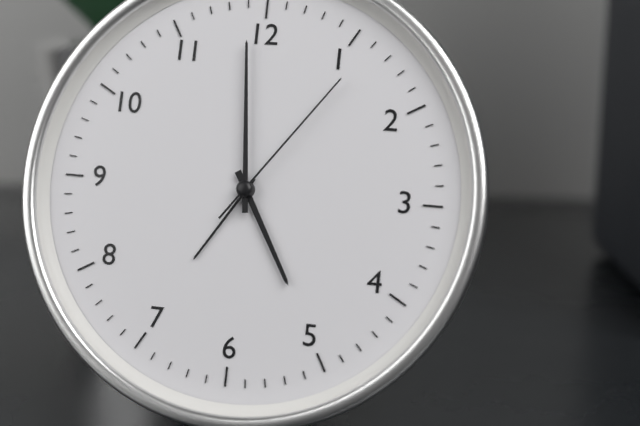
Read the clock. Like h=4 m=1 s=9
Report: h=4 m=59 s=6
